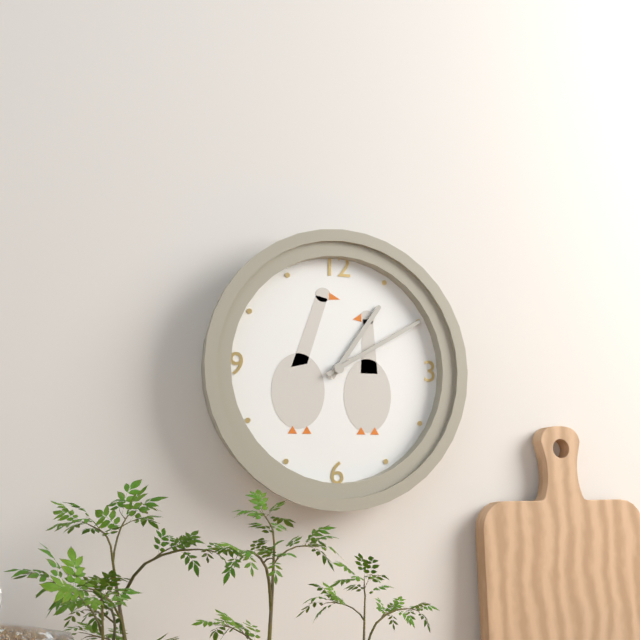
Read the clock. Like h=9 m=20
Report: h=1 m=10
